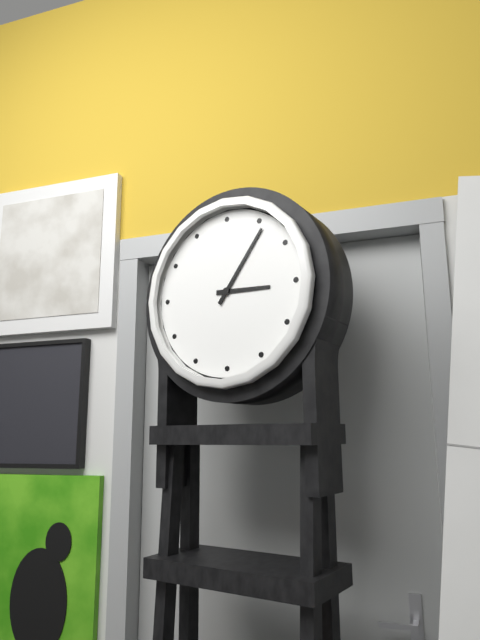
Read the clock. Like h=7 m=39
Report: h=3 m=6
